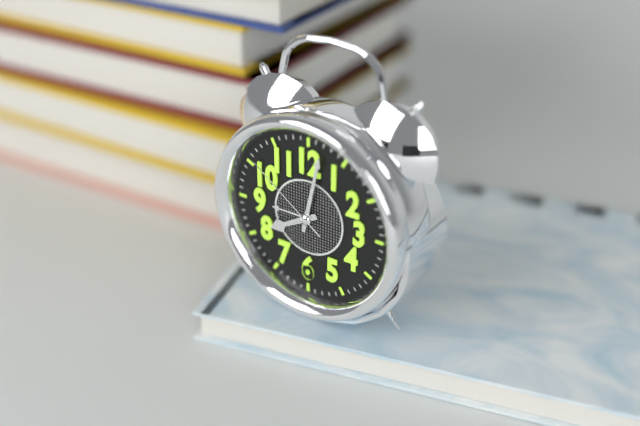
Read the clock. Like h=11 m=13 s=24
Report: h=8 m=2 s=51
